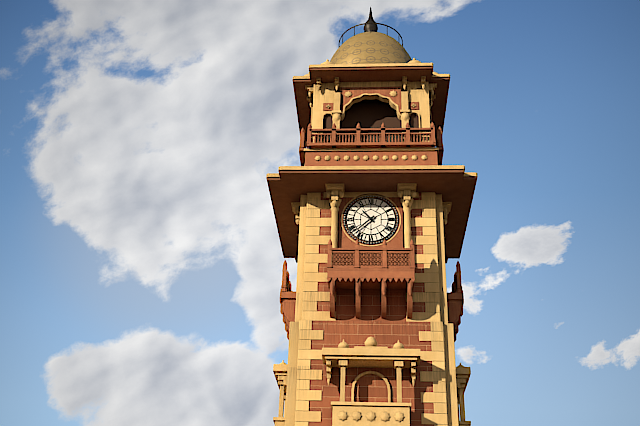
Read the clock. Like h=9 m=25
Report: h=10 m=38
